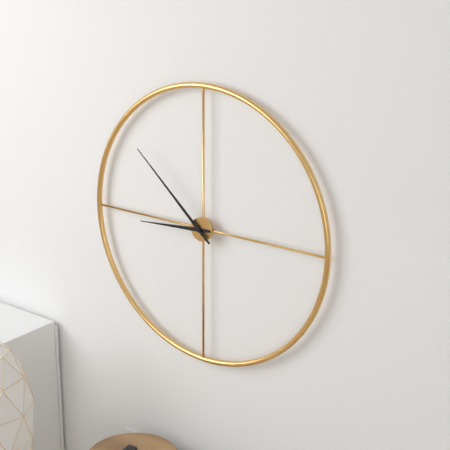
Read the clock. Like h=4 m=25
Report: h=8 m=52
